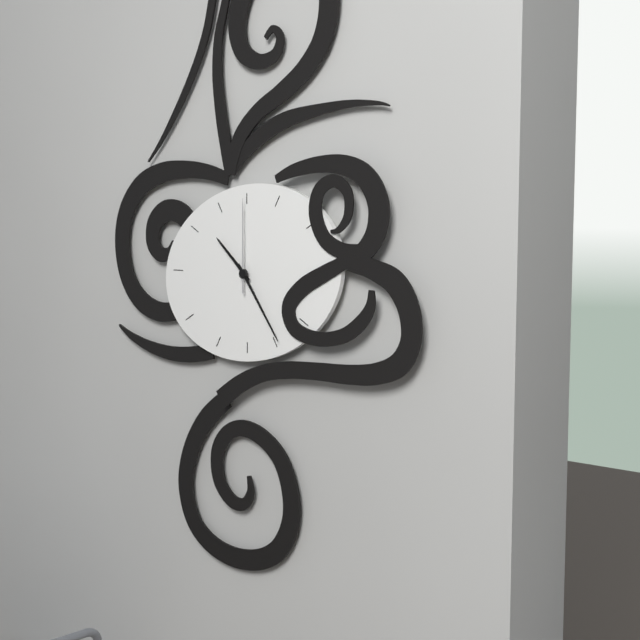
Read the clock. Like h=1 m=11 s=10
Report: h=10 m=24 s=0
